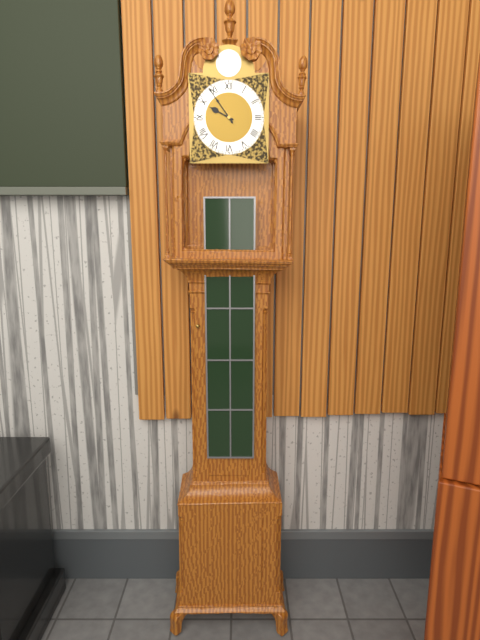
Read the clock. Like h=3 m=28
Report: h=9 m=54
